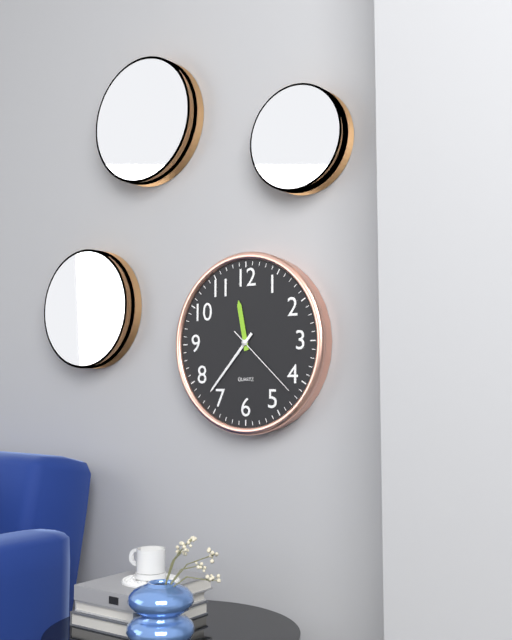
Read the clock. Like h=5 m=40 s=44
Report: h=11 m=37 s=22
